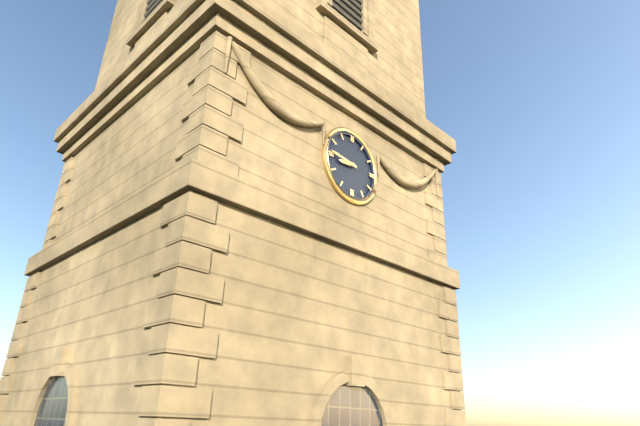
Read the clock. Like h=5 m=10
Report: h=8 m=46
